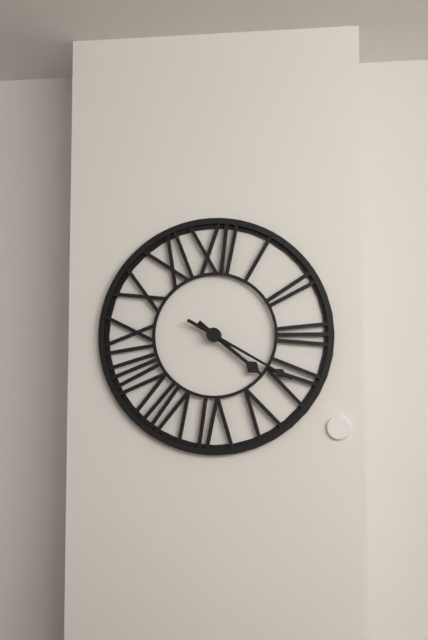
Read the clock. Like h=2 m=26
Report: h=4 m=20
